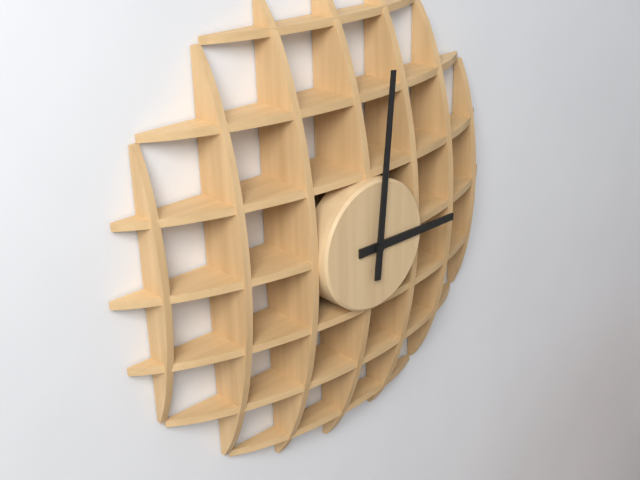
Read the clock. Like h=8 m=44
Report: h=3 m=1
